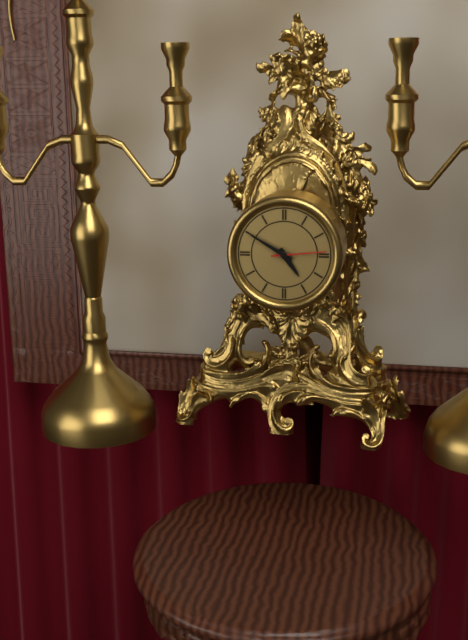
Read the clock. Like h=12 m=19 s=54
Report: h=4 m=50 s=14
